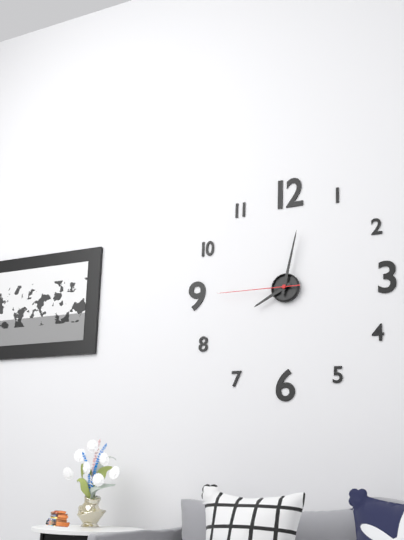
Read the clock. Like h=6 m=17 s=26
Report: h=8 m=2 s=45
